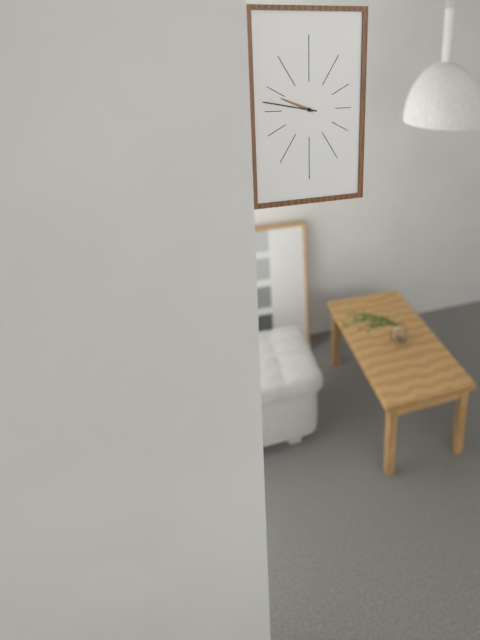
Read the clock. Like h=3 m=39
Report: h=9 m=47
